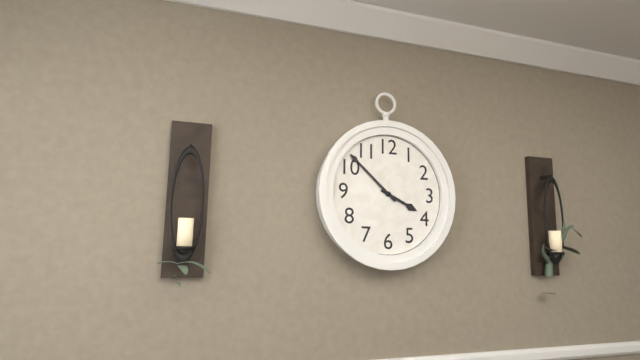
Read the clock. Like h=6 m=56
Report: h=3 m=52
